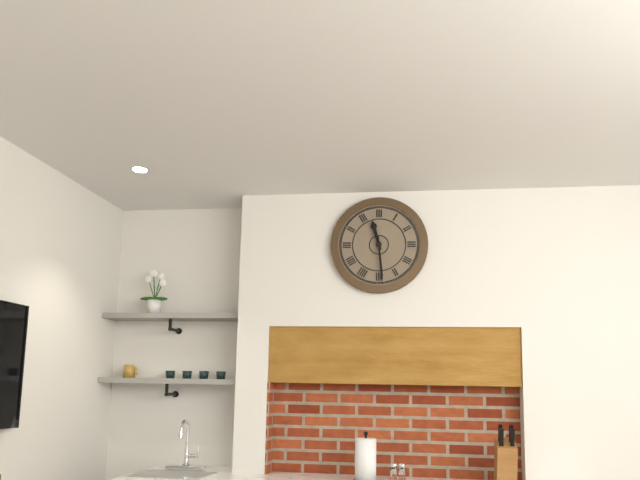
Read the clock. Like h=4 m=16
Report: h=11 m=29
